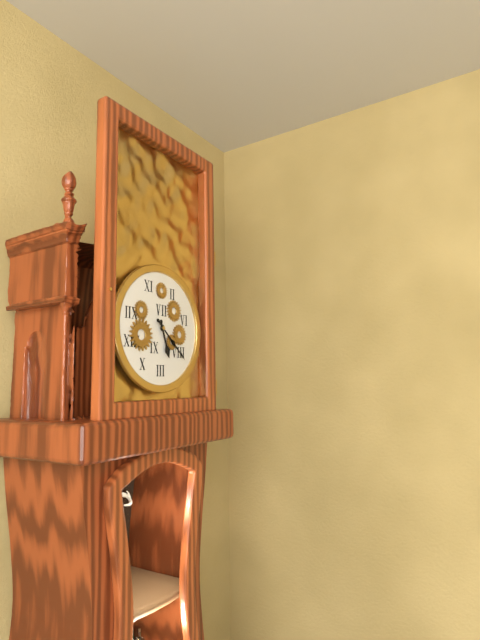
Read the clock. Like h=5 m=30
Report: h=5 m=22
